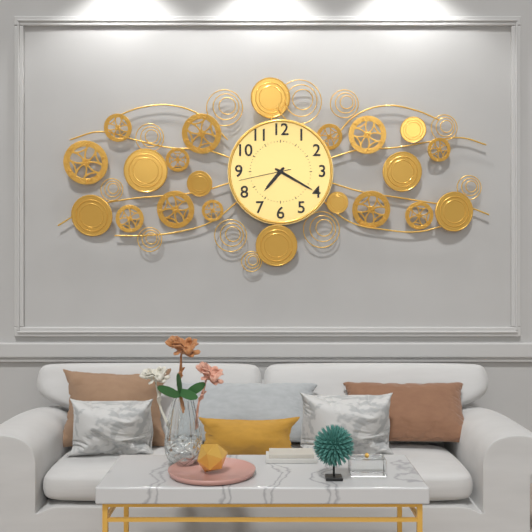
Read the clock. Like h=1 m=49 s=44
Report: h=7 m=20 s=43
